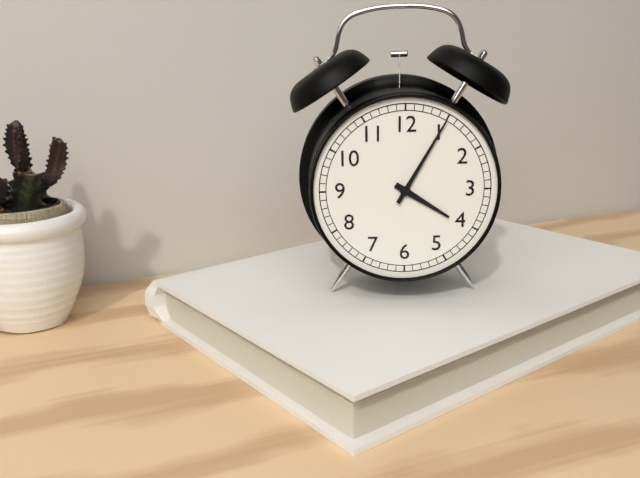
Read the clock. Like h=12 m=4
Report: h=4 m=5
